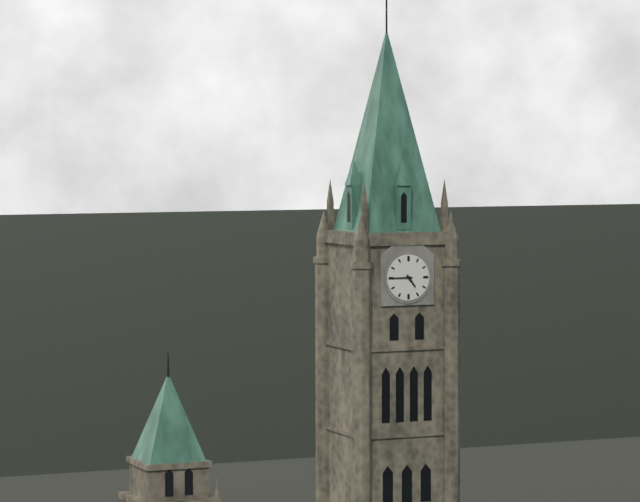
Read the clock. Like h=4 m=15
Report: h=4 m=45
